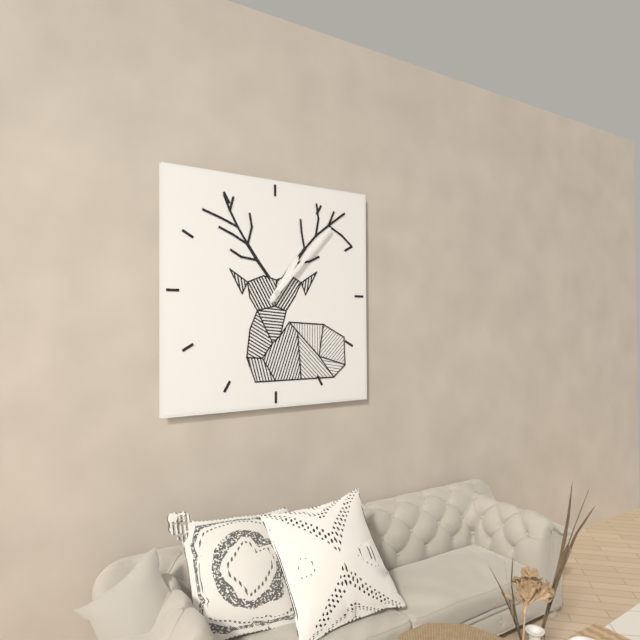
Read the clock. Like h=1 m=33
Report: h=1 m=7
